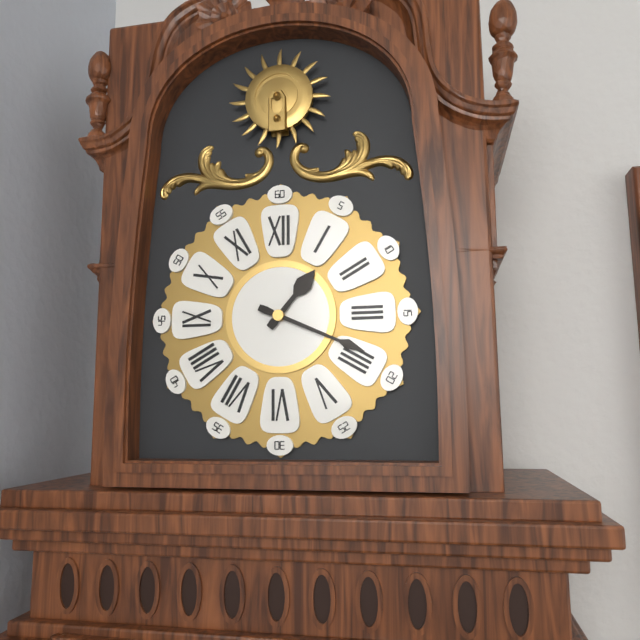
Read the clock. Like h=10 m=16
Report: h=1 m=19
